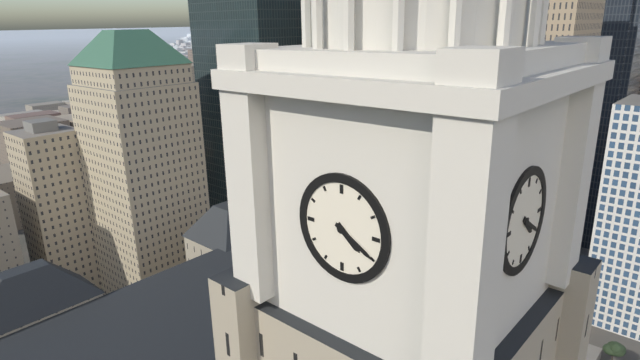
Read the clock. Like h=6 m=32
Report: h=4 m=20
